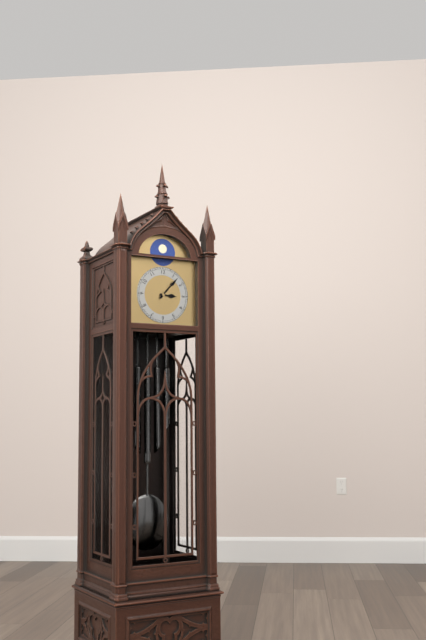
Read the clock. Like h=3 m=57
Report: h=3 m=7
